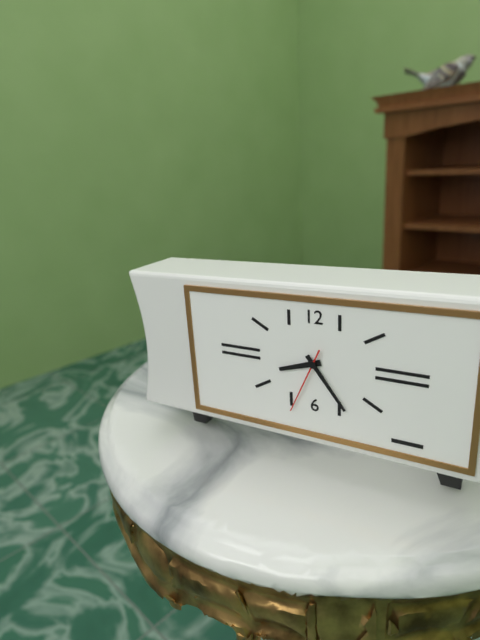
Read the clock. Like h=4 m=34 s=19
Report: h=8 m=24 s=34
